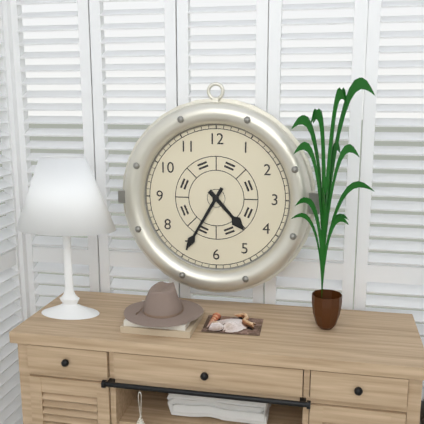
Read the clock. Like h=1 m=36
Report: h=4 m=35
